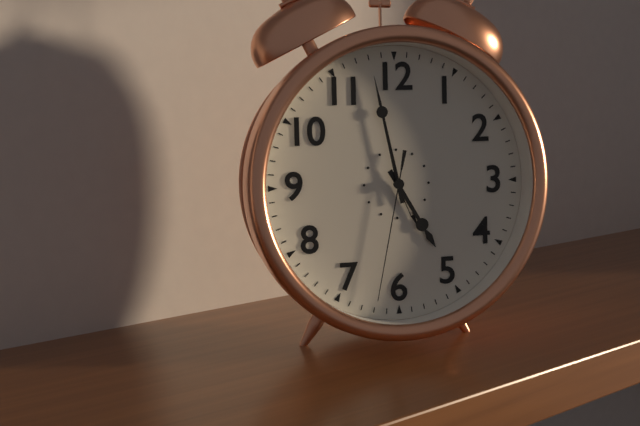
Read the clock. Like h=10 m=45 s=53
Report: h=4 m=58 s=32
